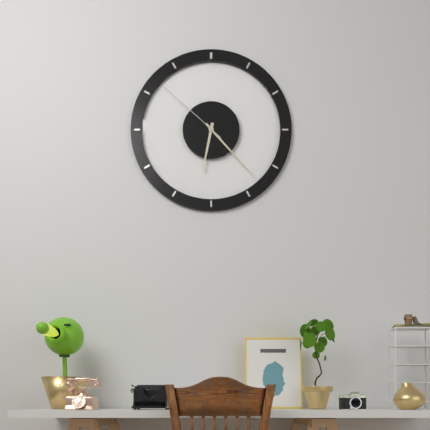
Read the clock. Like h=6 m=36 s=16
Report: h=6 m=23 s=52
